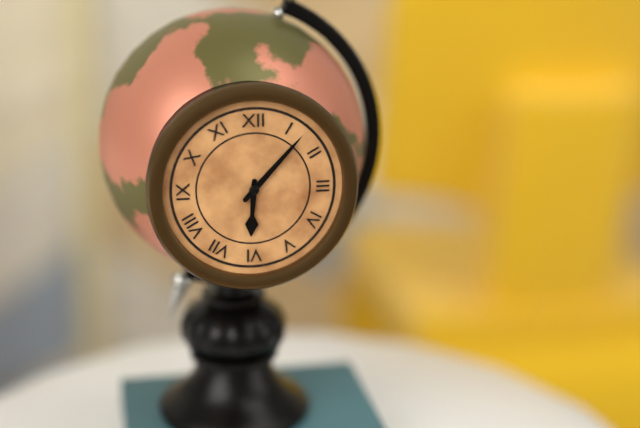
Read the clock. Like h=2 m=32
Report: h=6 m=7
